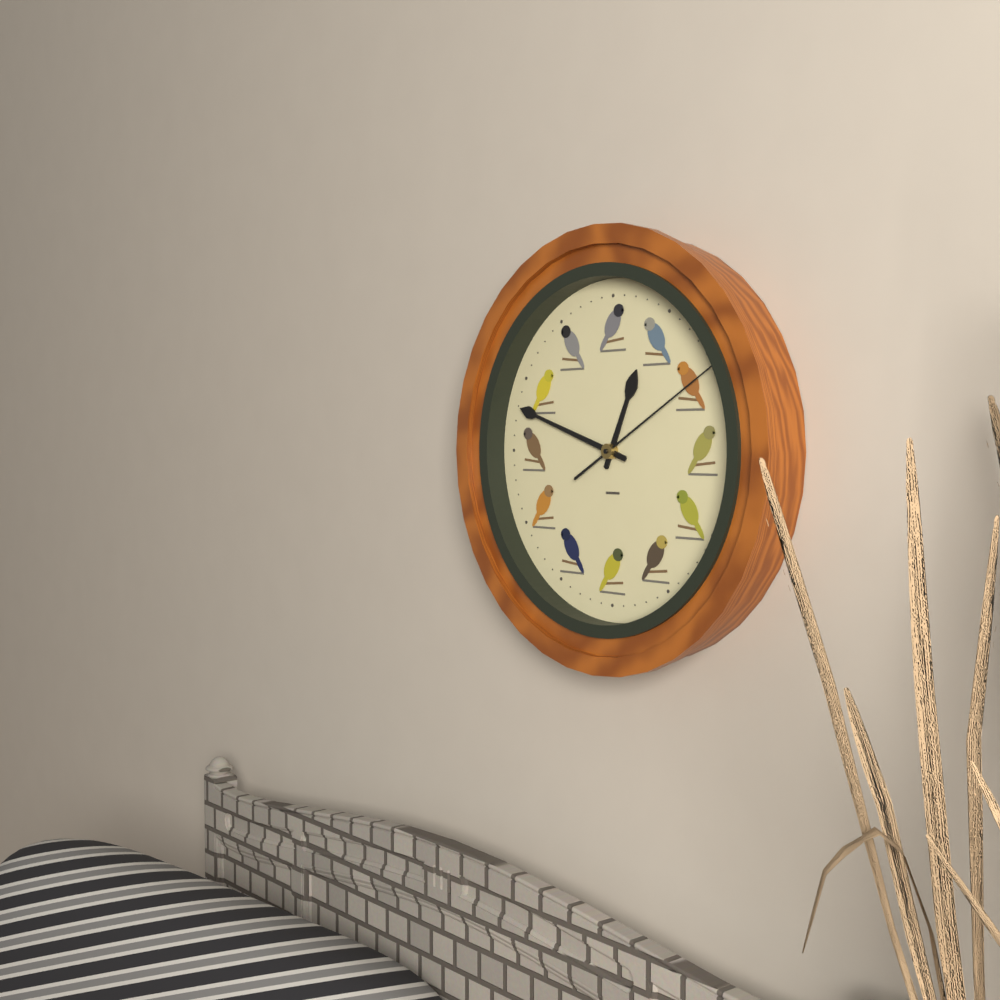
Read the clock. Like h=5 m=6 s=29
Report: h=12 m=48 s=10
